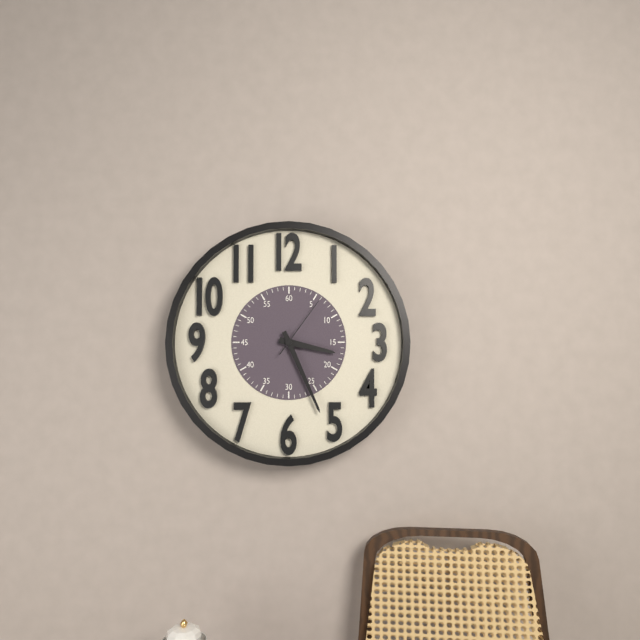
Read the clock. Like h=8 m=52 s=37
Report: h=3 m=26 s=6
